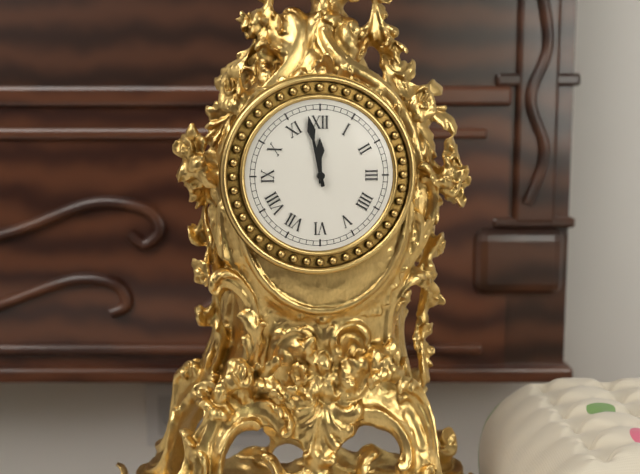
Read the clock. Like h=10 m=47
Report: h=11 m=58
